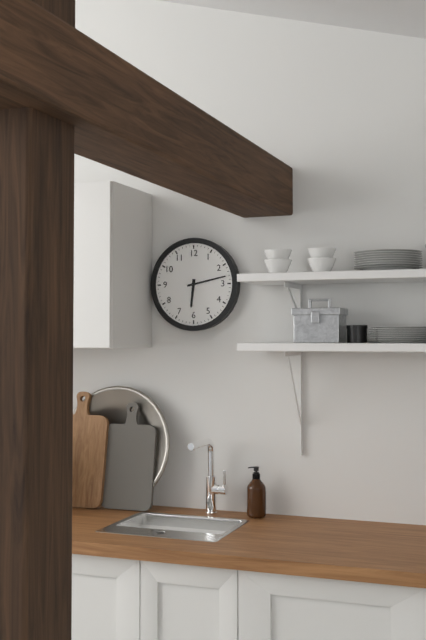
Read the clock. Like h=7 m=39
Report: h=6 m=13
